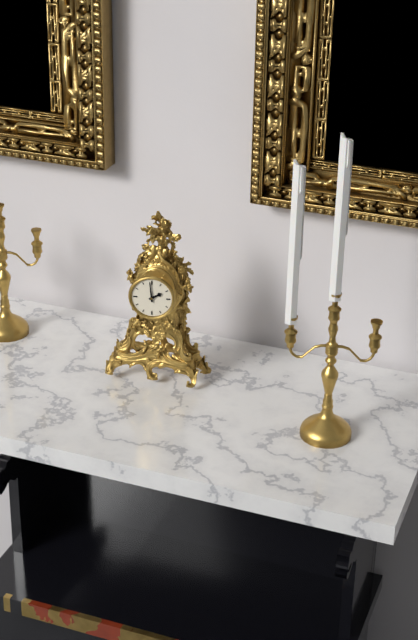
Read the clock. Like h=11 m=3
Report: h=1 m=59
